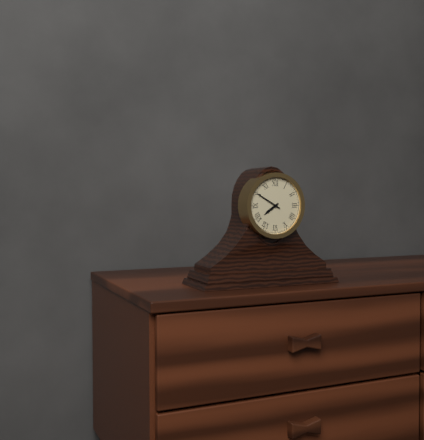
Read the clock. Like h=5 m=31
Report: h=7 m=50
